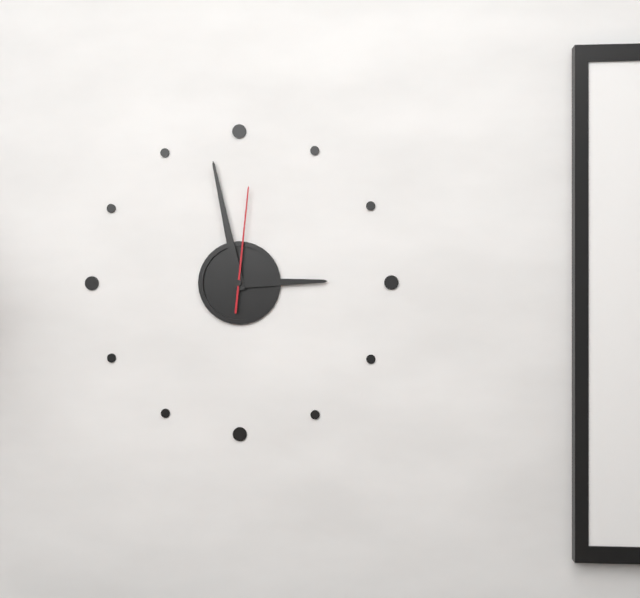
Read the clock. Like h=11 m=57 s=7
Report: h=2 m=58 s=1
